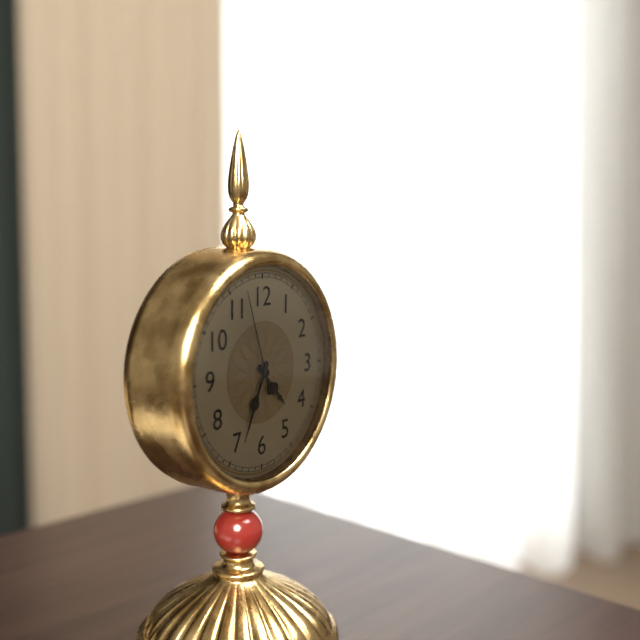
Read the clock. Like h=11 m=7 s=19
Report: h=4 m=34 s=57
